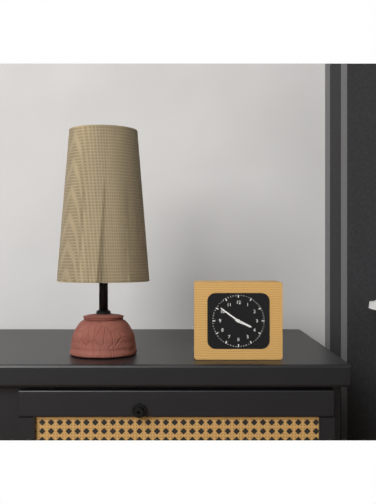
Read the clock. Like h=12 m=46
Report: h=3 m=51
